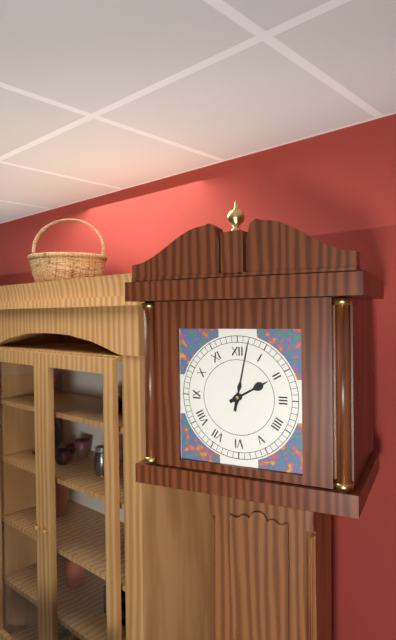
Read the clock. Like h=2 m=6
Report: h=2 m=2
